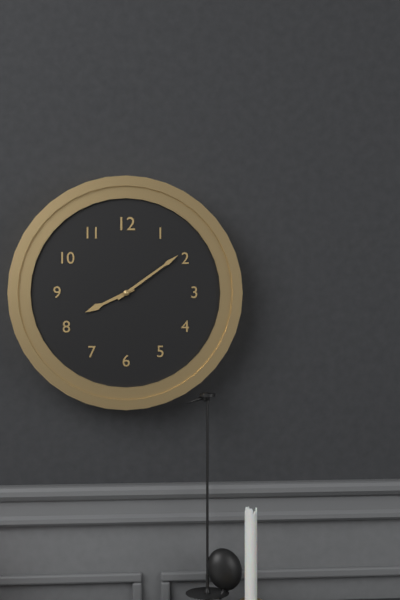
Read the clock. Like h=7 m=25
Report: h=8 m=9
